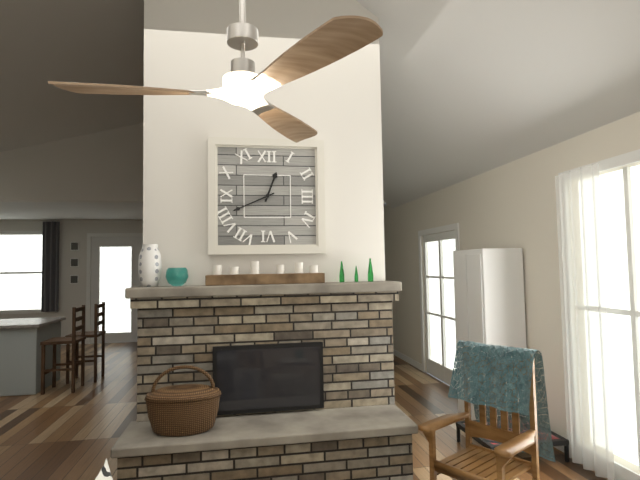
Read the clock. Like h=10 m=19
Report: h=12 m=41
